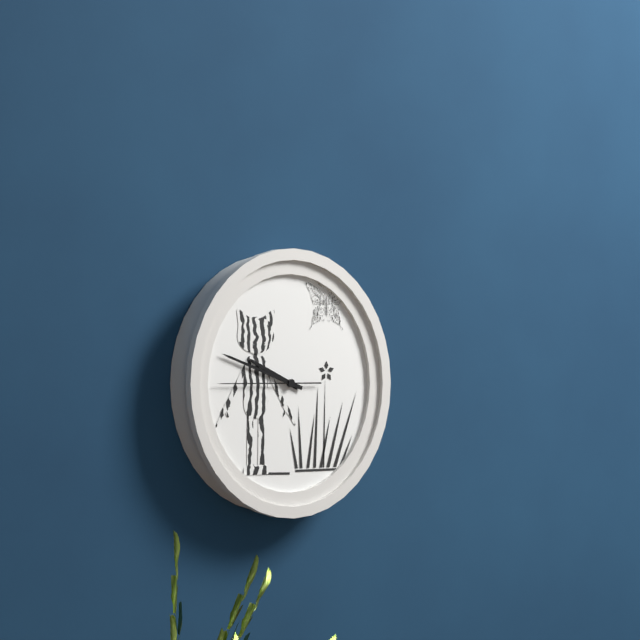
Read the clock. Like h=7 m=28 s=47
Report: h=9 m=48 s=45
